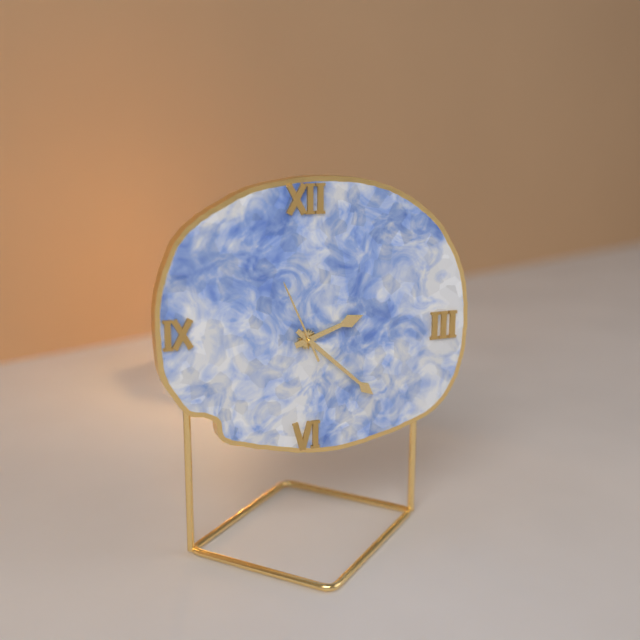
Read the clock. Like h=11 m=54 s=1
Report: h=2 m=22 s=56
